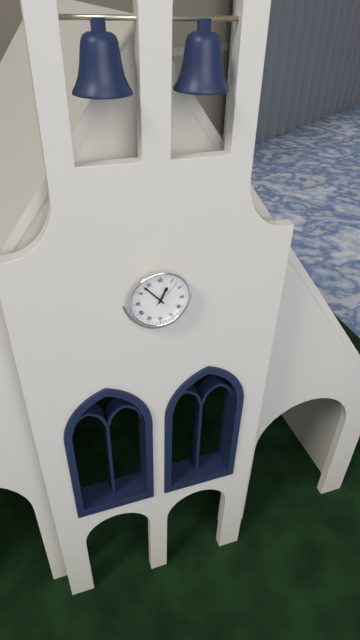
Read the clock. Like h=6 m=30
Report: h=12 m=53
